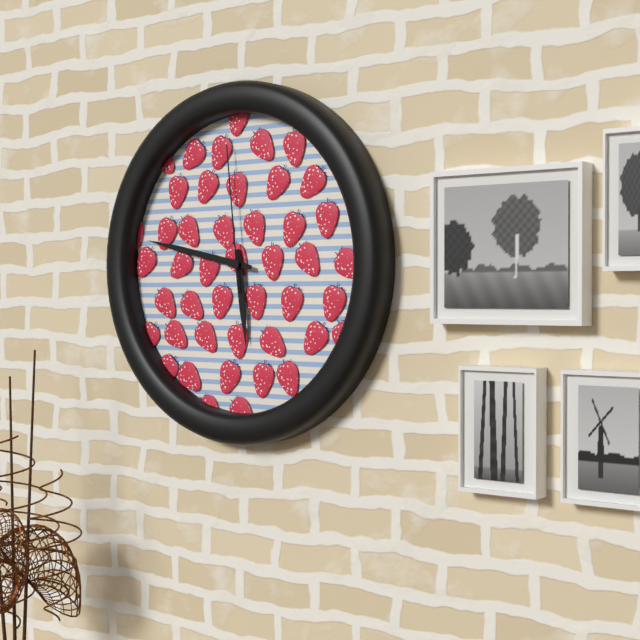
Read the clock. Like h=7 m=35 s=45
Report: h=5 m=47 s=59
